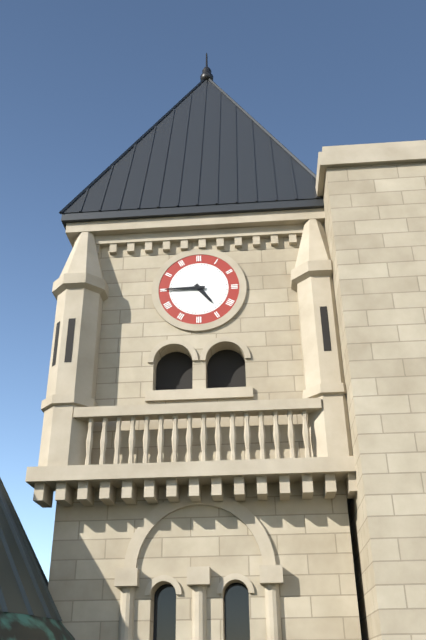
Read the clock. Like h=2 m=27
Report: h=4 m=45
